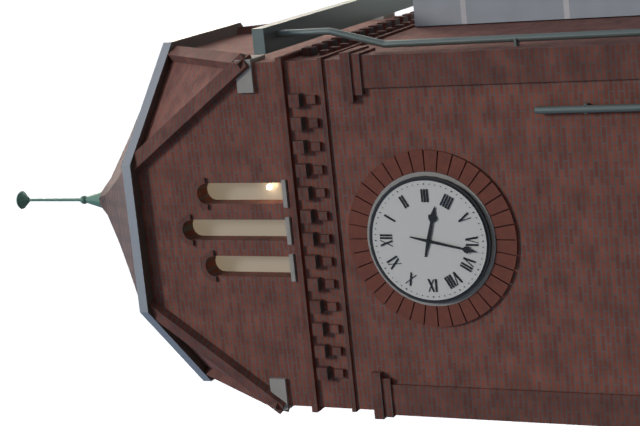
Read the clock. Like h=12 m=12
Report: h=3 m=32
